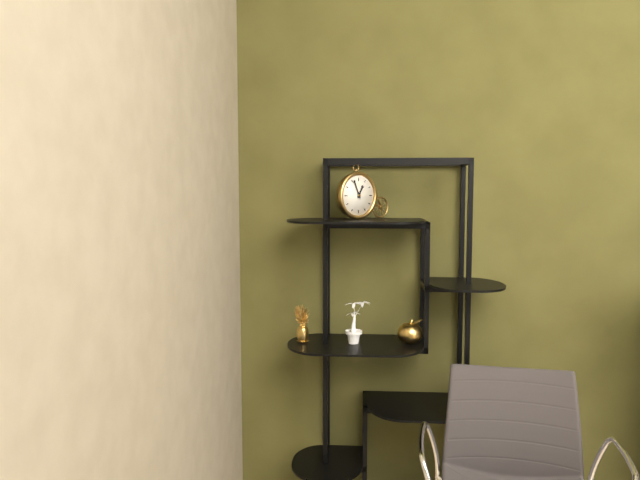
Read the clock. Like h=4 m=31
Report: h=12 m=56
